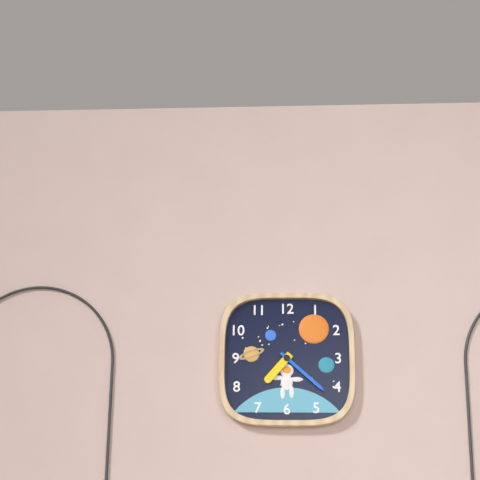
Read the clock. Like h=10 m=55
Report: h=7 m=22
